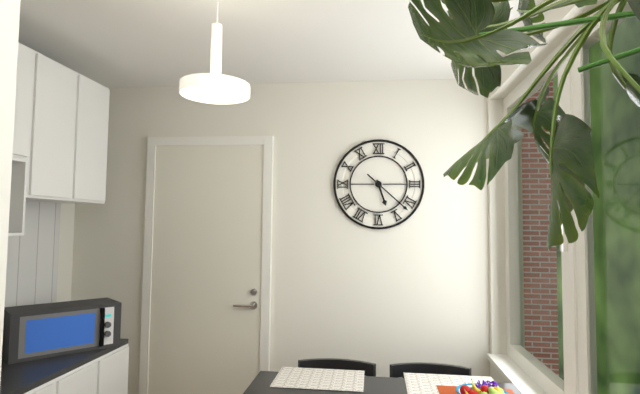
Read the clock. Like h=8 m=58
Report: h=5 m=22
